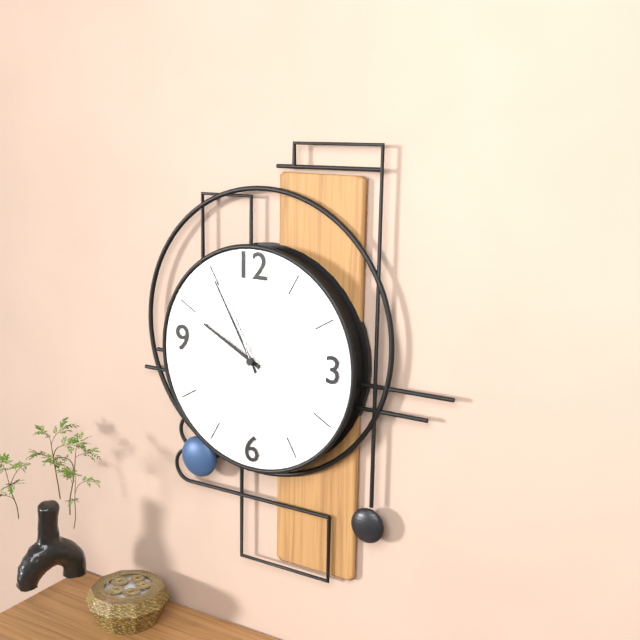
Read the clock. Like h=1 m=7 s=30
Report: h=9 m=55 s=56
